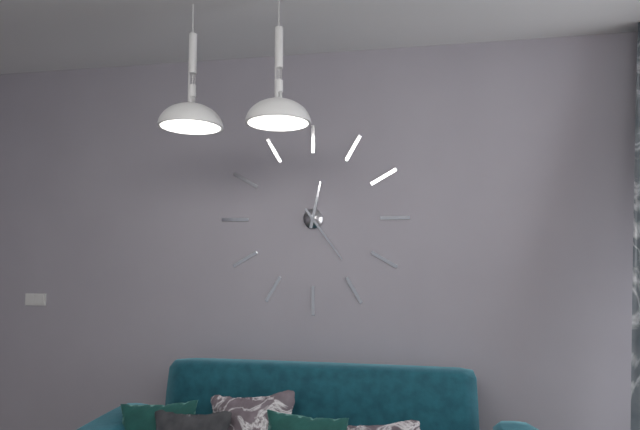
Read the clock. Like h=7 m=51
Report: h=12 m=24
